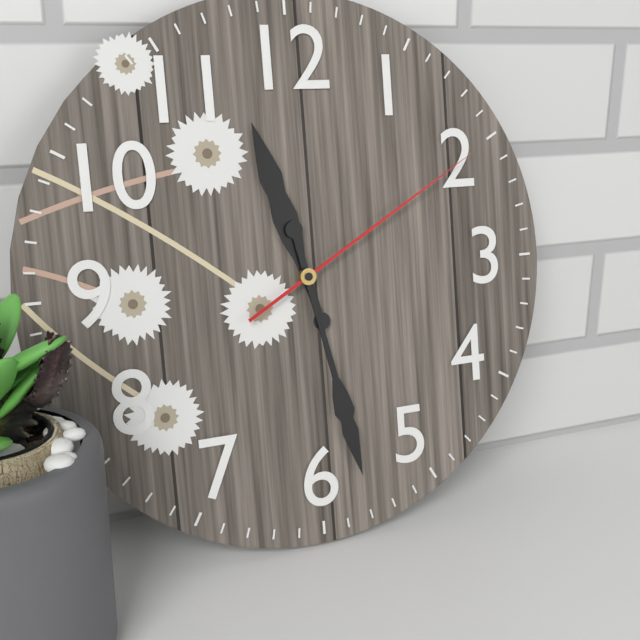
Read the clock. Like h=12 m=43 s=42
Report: h=11 m=28 s=10
